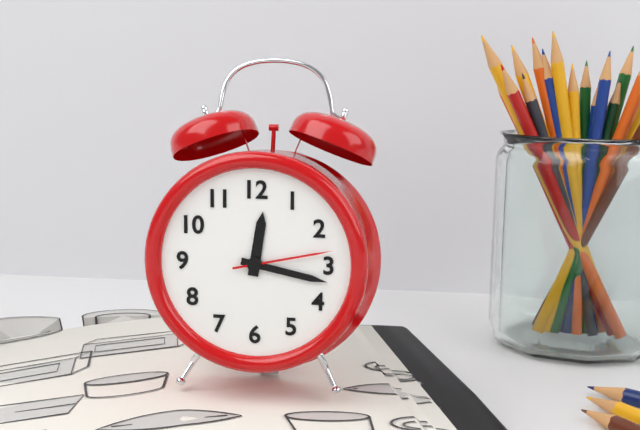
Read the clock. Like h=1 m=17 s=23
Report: h=12 m=17 s=13
